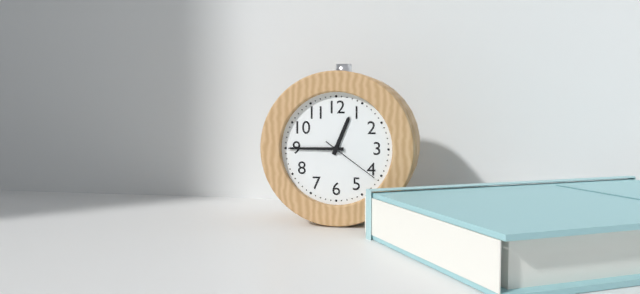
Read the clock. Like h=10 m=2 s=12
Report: h=12 m=45 s=21
